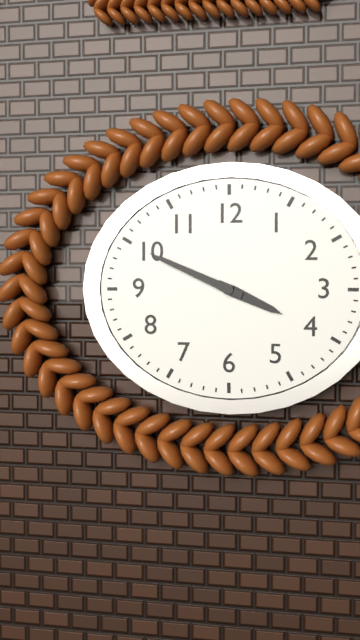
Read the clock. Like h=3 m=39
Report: h=3 m=49
